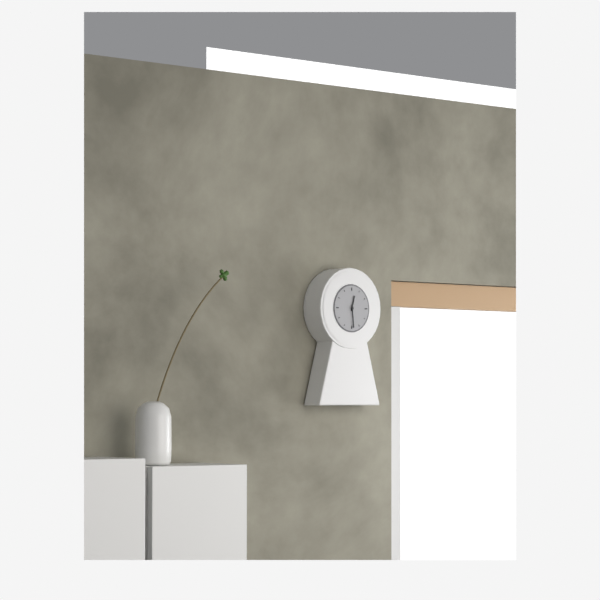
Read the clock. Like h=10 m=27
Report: h=12 m=29
